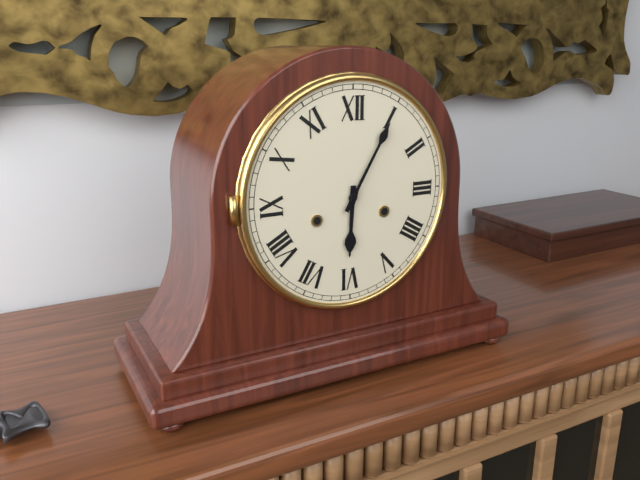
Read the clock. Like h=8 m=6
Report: h=6 m=5
